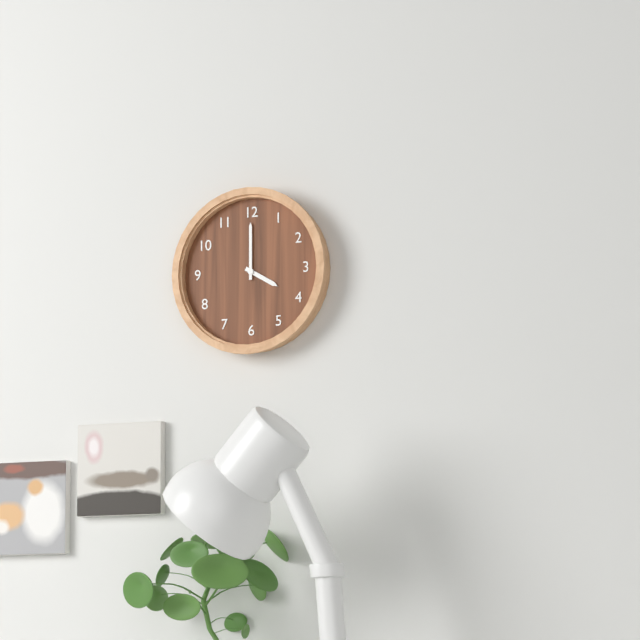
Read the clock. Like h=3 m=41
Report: h=4 m=0
